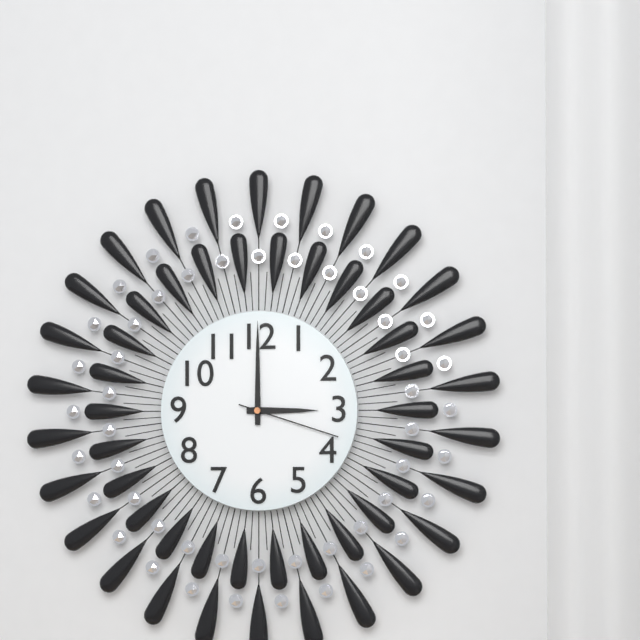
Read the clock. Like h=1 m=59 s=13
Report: h=3 m=0 s=18
